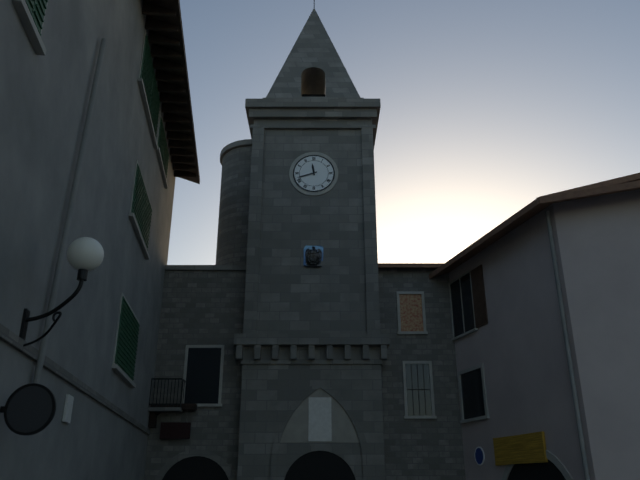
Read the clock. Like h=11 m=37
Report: h=11 m=42
